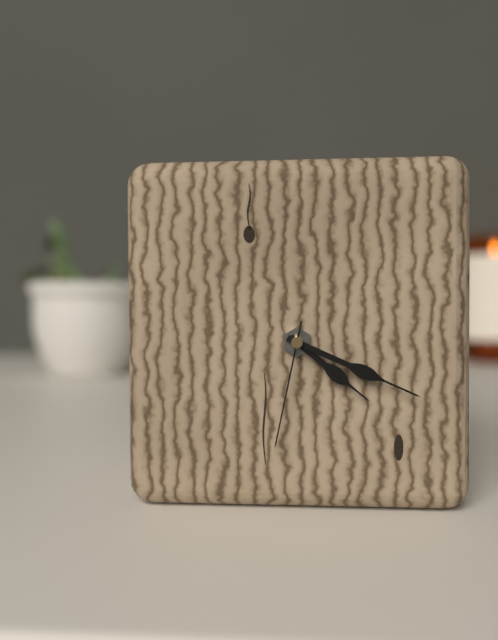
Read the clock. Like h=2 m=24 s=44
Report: h=4 m=19 s=32
